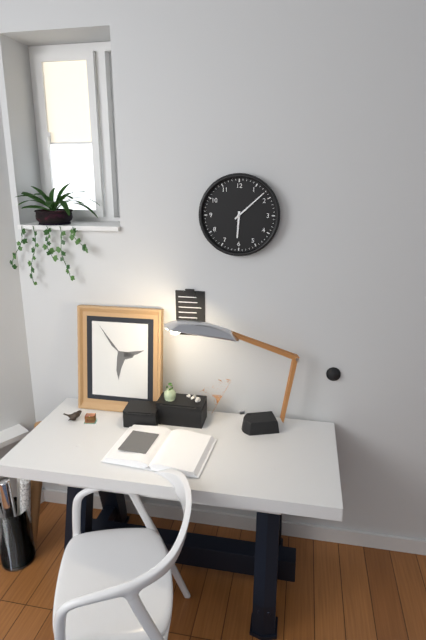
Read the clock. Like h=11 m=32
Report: h=6 m=8
